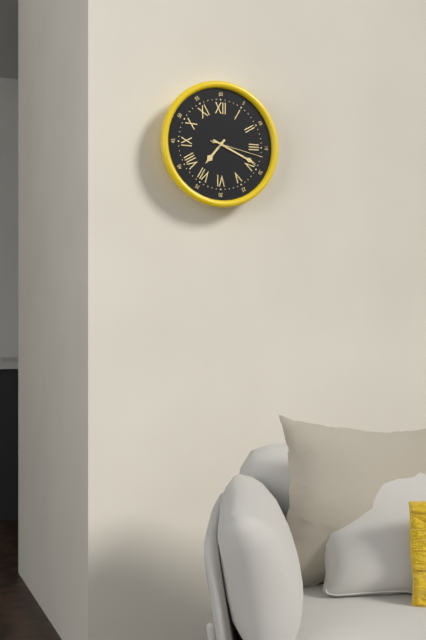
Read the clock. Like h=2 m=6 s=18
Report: h=7 m=19 s=17
